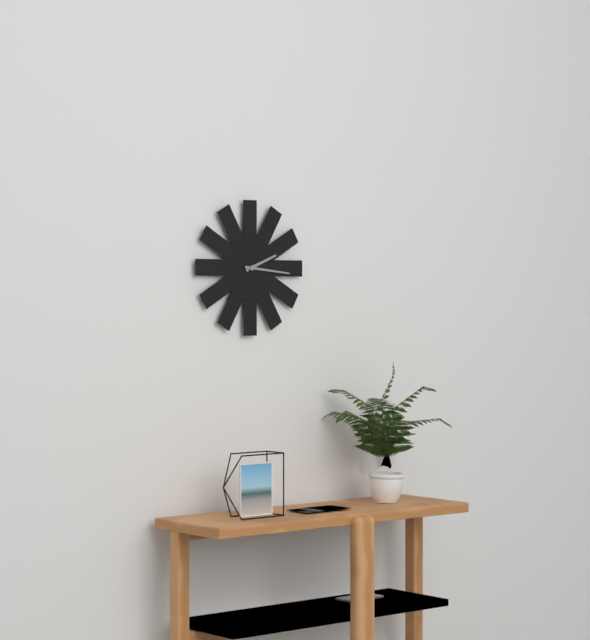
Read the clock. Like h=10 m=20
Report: h=2 m=16
